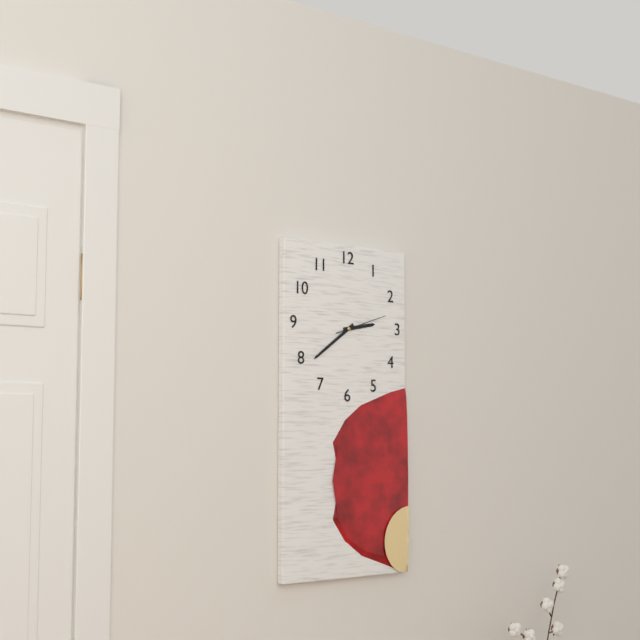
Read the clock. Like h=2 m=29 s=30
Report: h=2 m=39 s=12
